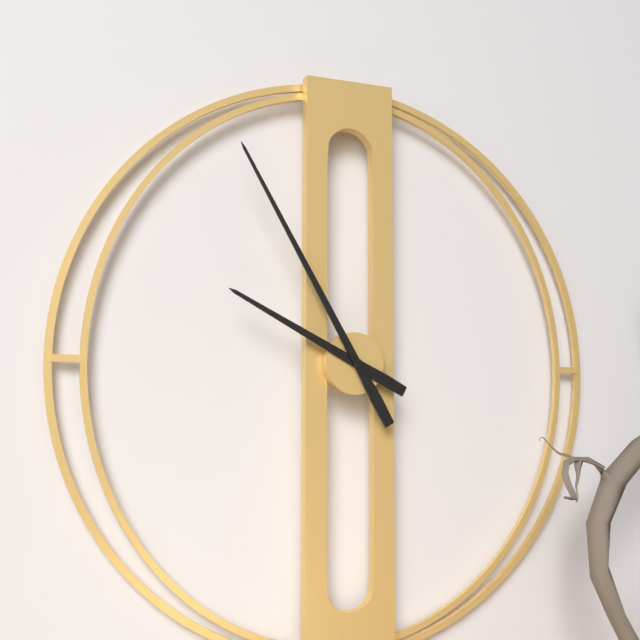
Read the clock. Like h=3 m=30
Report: h=9 m=55
